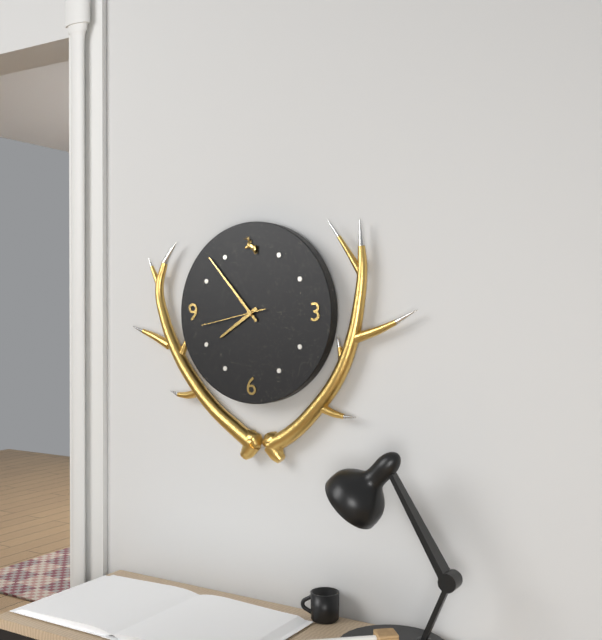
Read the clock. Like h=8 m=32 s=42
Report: h=7 m=53 s=43
